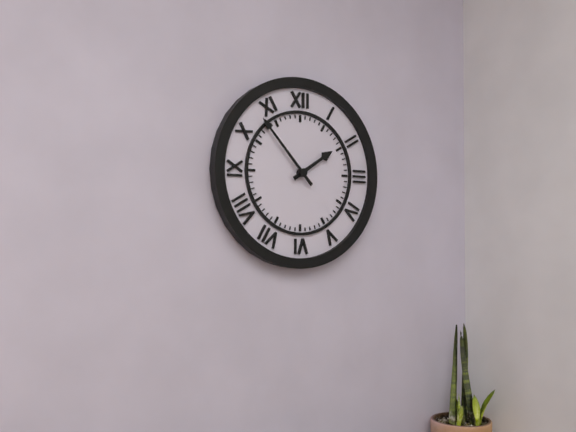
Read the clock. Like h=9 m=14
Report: h=1 m=53
